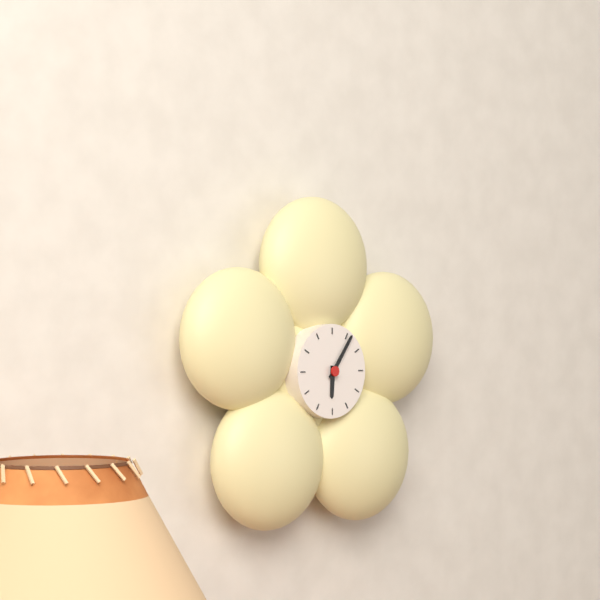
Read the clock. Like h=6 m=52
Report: h=6 m=6
